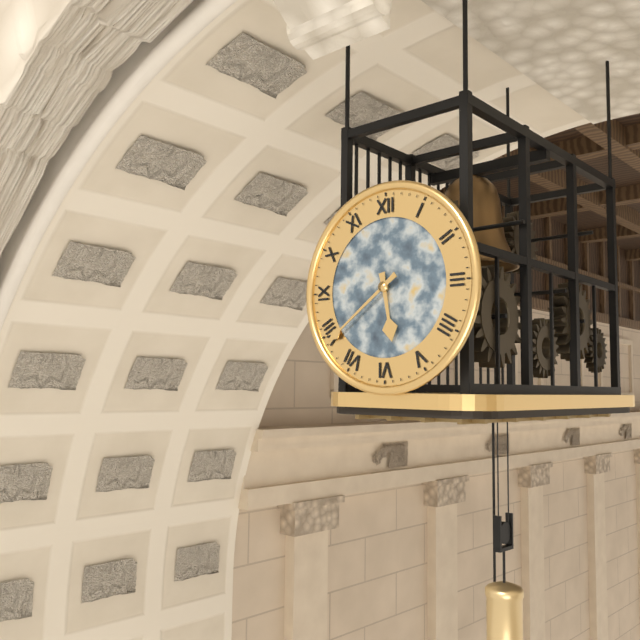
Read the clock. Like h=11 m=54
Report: h=5 m=39
